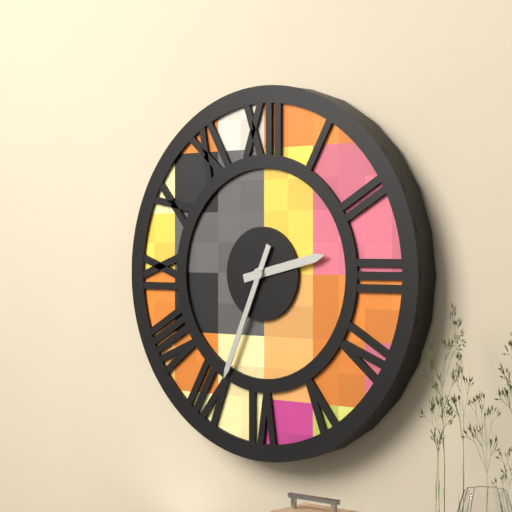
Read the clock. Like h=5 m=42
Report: h=2 m=34
